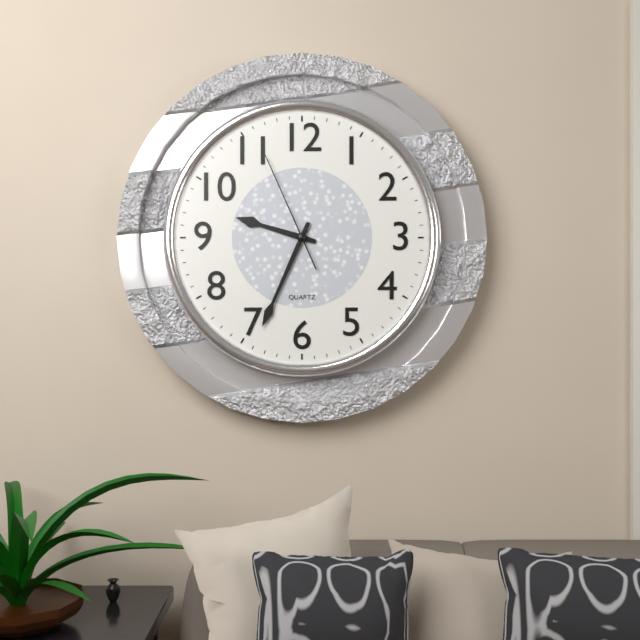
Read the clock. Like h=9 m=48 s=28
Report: h=9 m=34 s=56
